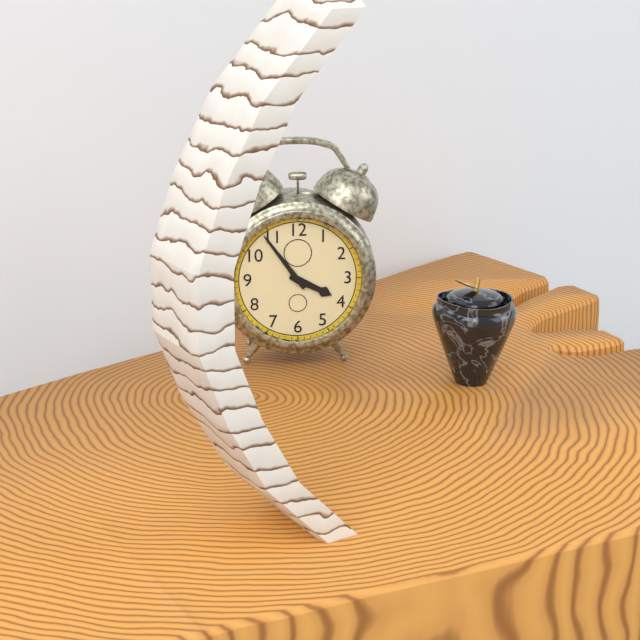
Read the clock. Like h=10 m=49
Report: h=3 m=54
